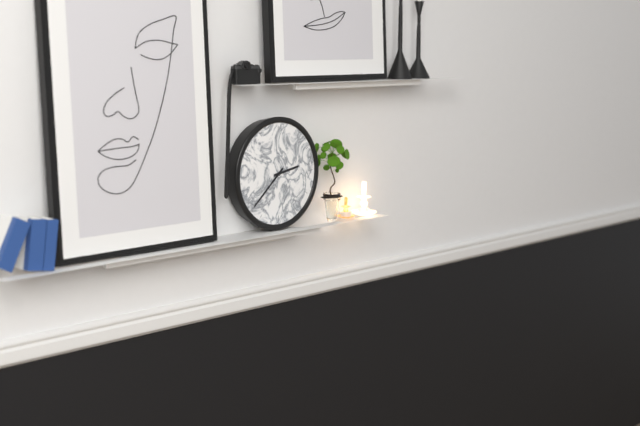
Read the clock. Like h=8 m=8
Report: h=2 m=38
